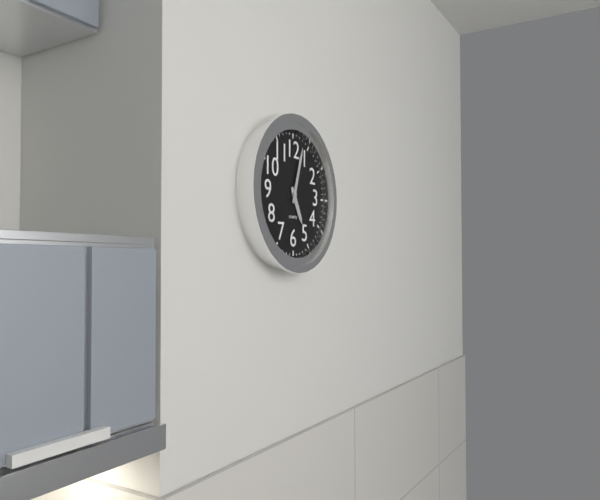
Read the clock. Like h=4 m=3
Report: h=5 m=3
